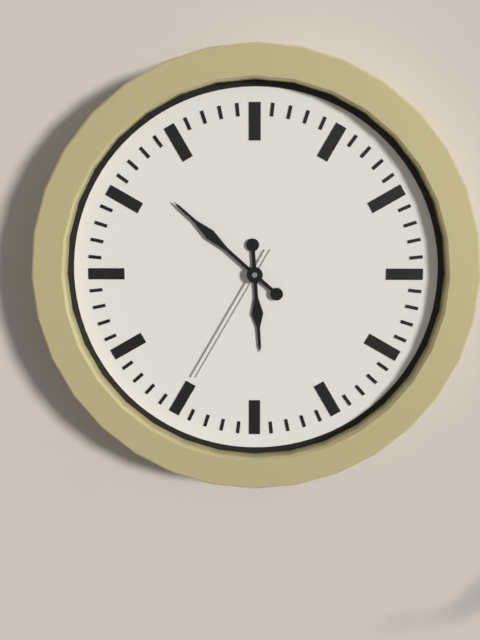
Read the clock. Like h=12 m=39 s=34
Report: h=5 m=52 s=35
